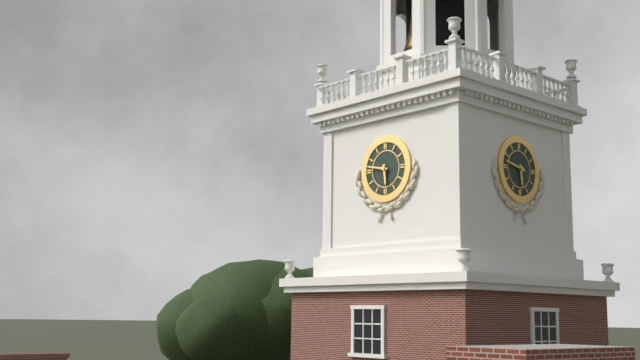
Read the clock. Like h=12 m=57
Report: h=5 m=47
